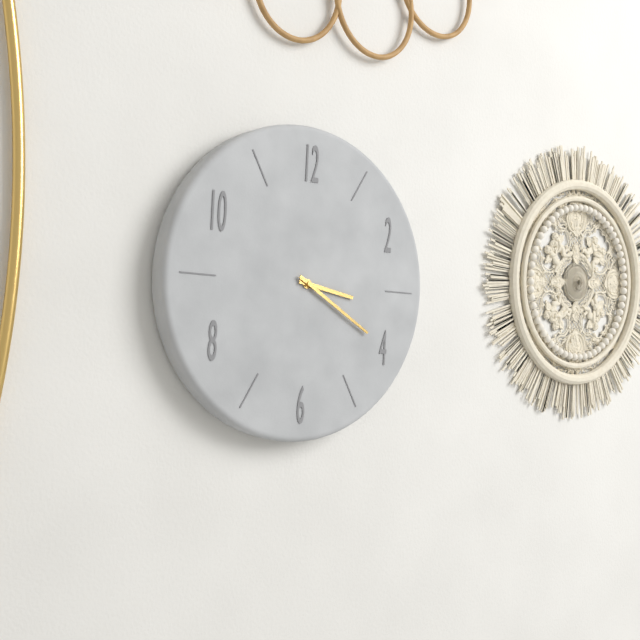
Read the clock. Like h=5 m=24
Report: h=3 m=20
